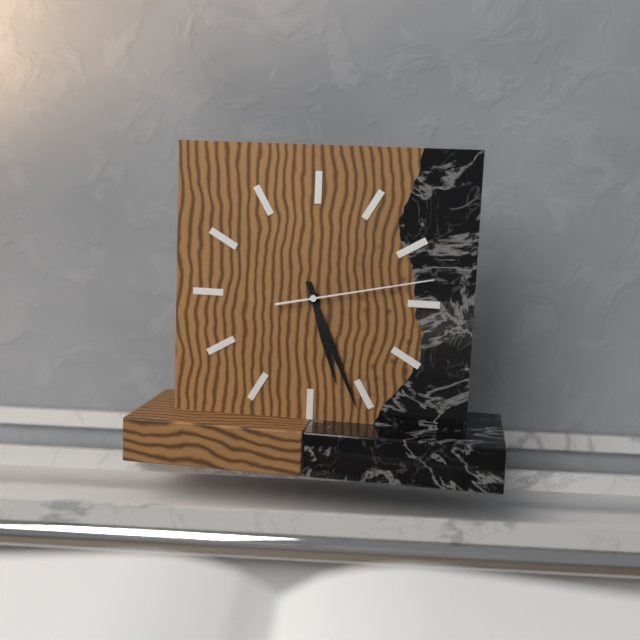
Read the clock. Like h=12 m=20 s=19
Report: h=5 m=26 s=13
